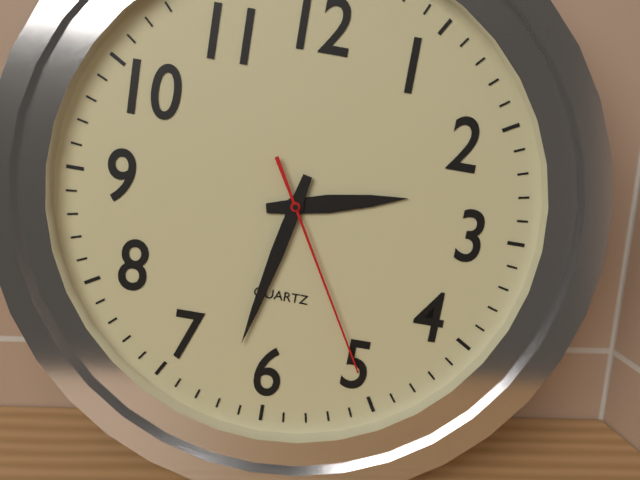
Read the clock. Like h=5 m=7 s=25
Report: h=2 m=32 s=25
